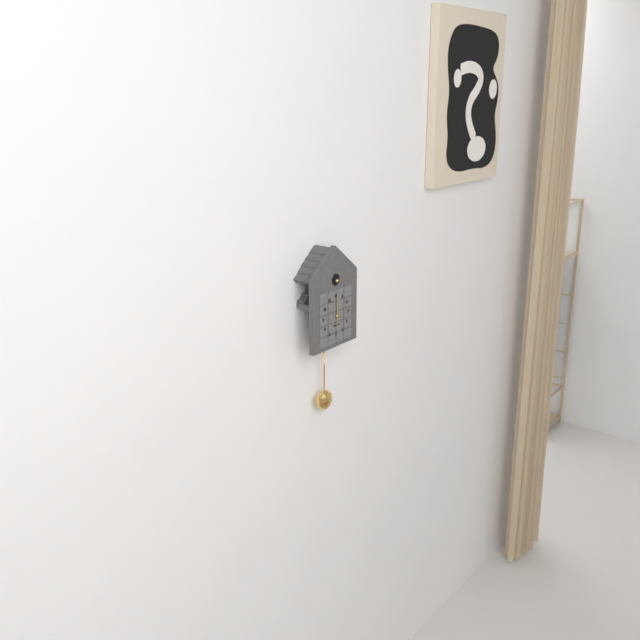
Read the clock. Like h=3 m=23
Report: h=6 m=0
